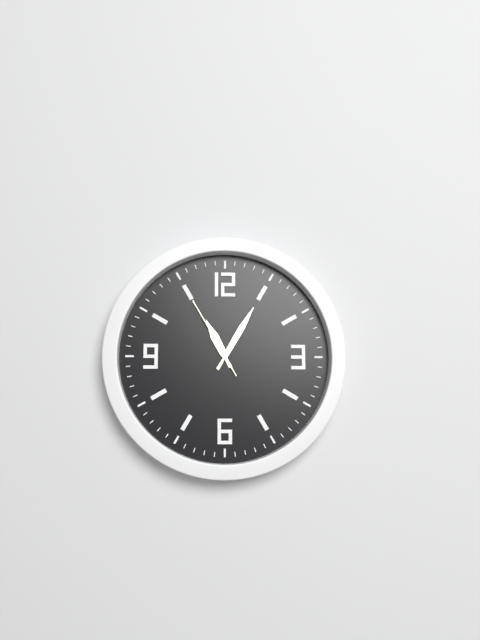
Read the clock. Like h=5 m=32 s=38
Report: h=11 m=5 s=55
